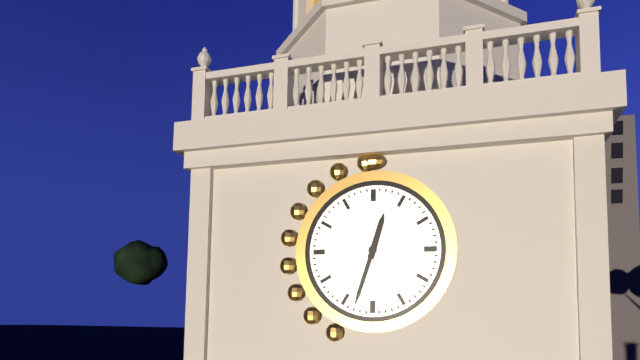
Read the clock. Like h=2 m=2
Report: h=12 m=33
